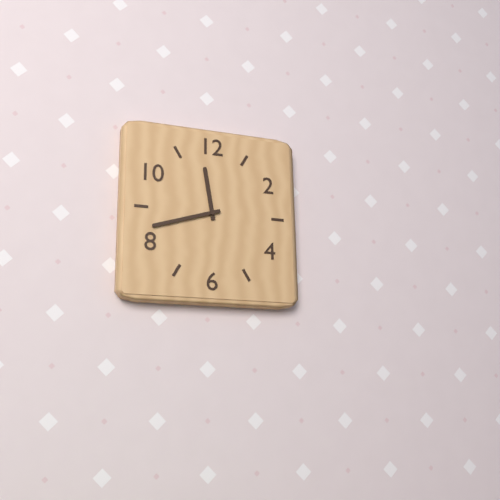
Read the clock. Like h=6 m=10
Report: h=11 m=42
